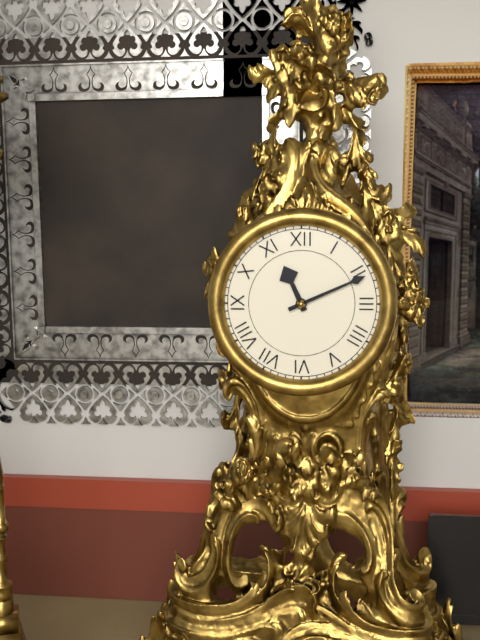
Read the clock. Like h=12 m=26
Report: h=11 m=11
